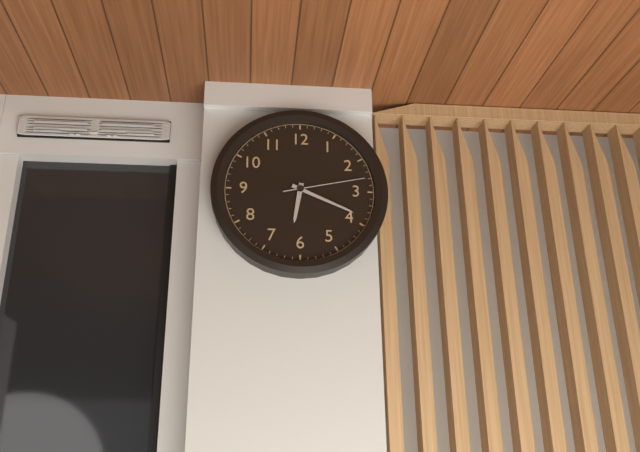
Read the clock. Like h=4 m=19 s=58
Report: h=6 m=19 s=13
